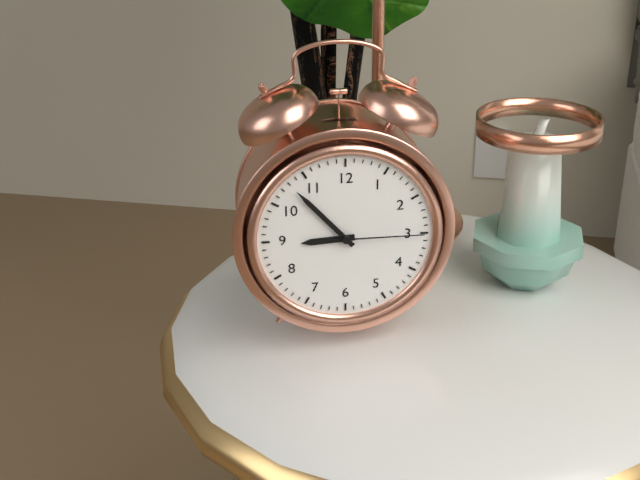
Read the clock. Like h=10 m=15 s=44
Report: h=8 m=53 s=15
